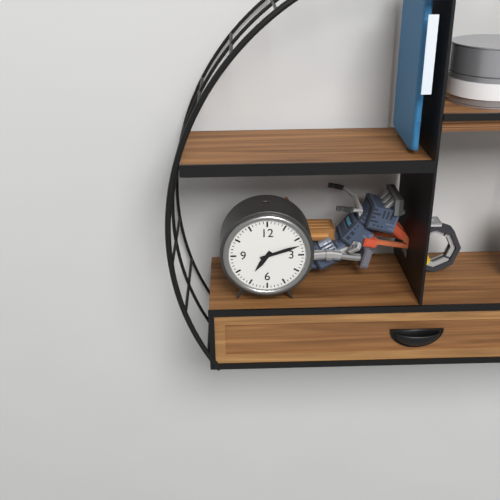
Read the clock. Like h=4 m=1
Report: h=7 m=12
